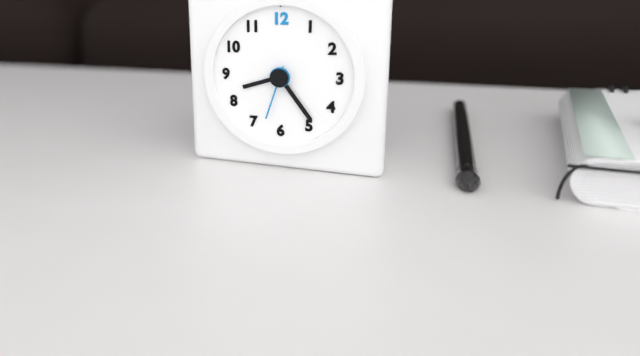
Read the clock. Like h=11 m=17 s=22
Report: h=8 m=24 s=33
